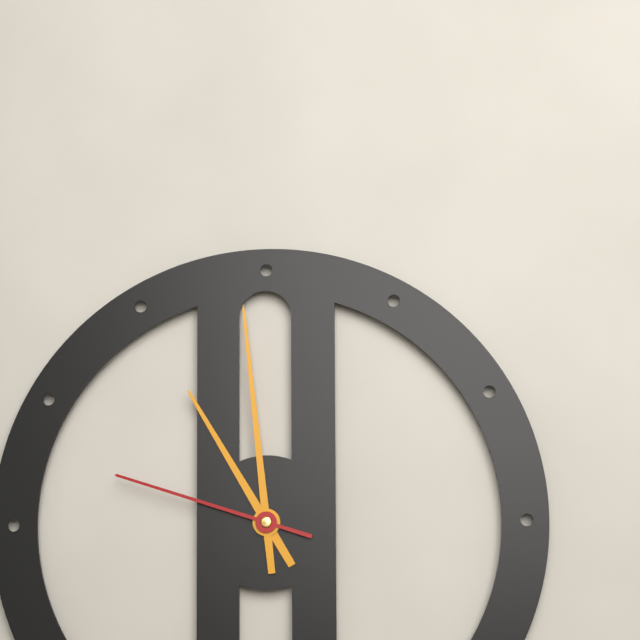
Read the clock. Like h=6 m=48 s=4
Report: h=10 m=59 s=48
